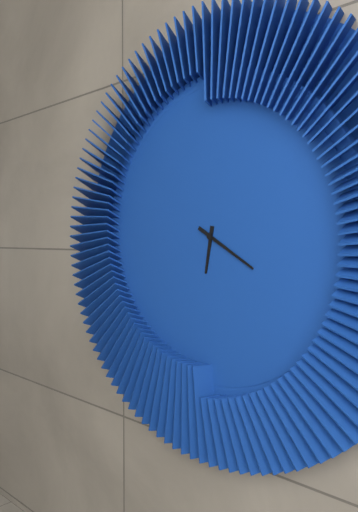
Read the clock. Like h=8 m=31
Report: h=6 m=20
